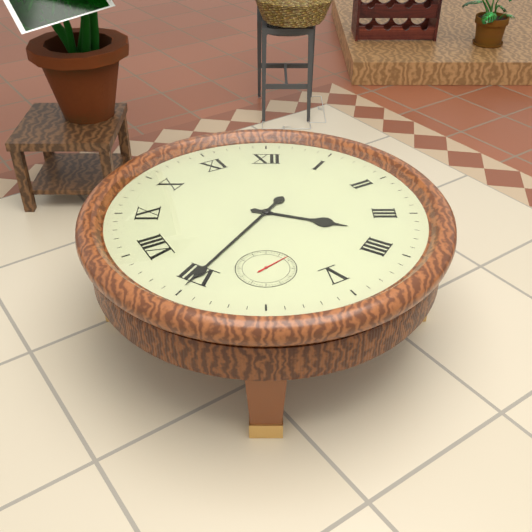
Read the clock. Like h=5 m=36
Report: h=3 m=35
